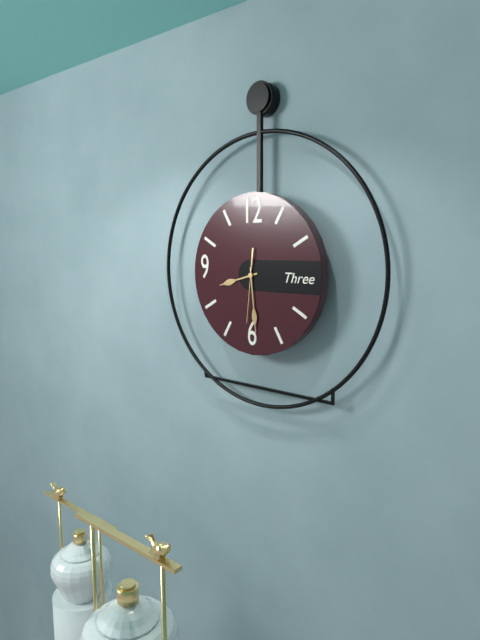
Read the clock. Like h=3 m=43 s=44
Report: h=8 m=29 s=31
